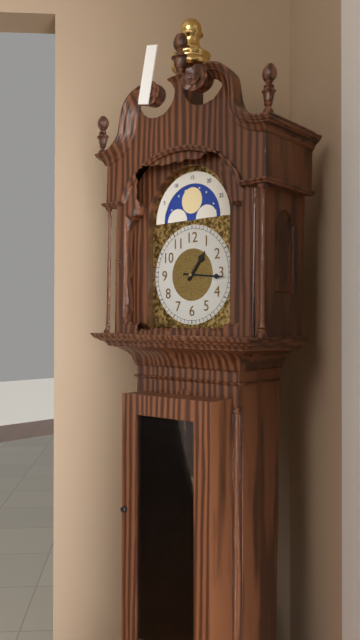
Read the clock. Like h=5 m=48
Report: h=1 m=16
